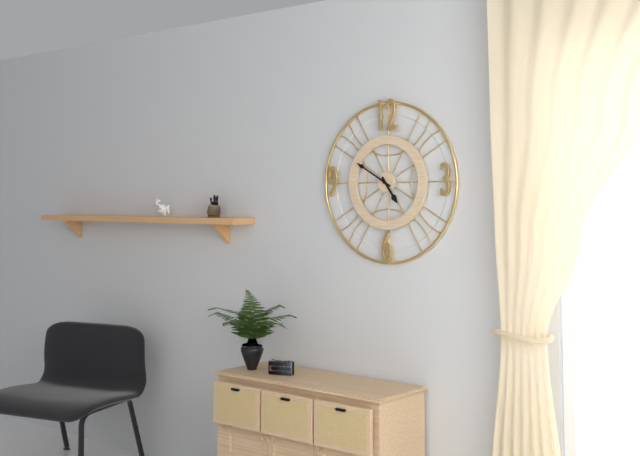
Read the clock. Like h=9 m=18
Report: h=4 m=50
